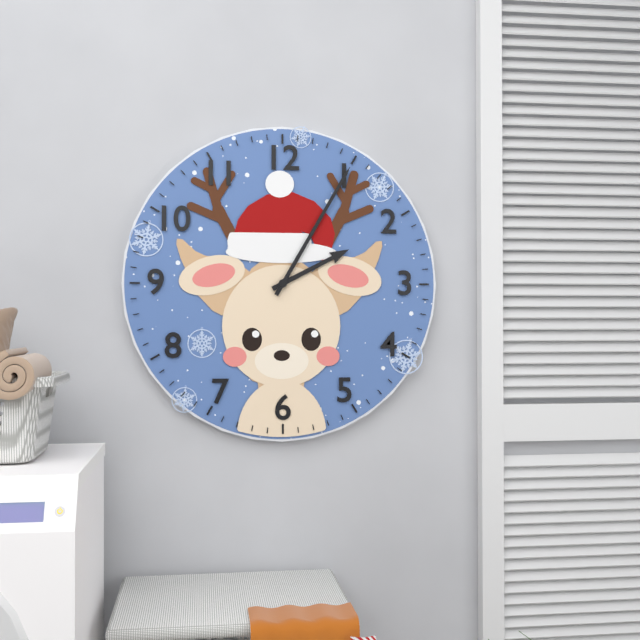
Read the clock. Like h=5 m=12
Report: h=2 m=5
